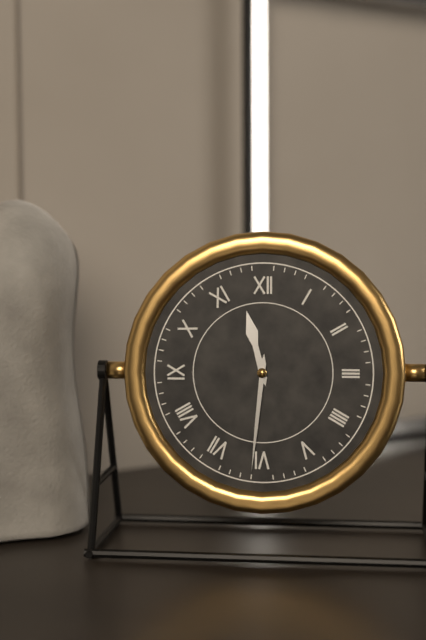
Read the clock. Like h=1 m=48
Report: h=11 m=31
